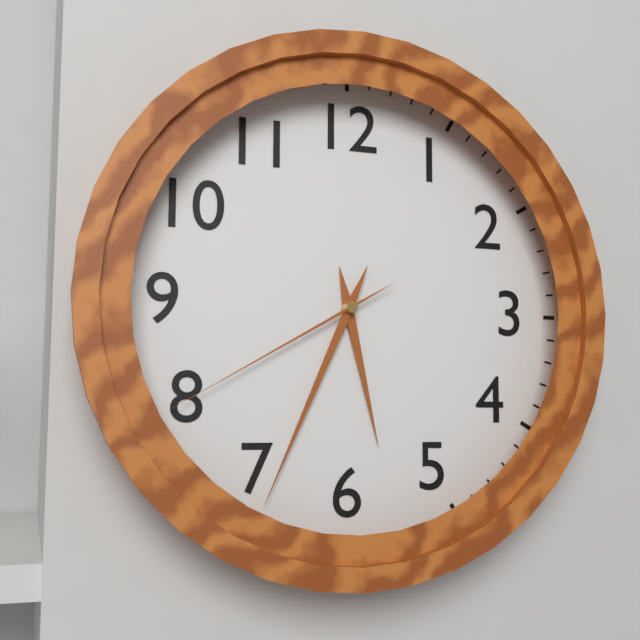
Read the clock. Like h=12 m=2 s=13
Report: h=5 m=34 s=40
